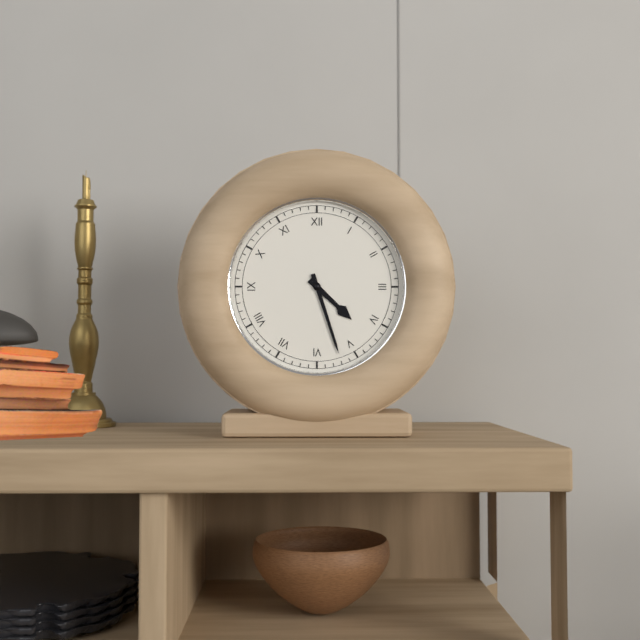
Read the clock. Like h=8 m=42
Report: h=4 m=27
